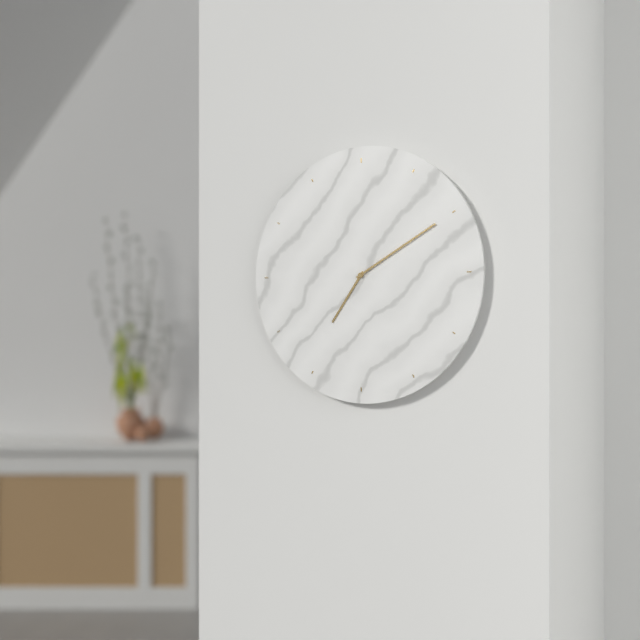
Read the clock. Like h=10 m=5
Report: h=7 m=10
